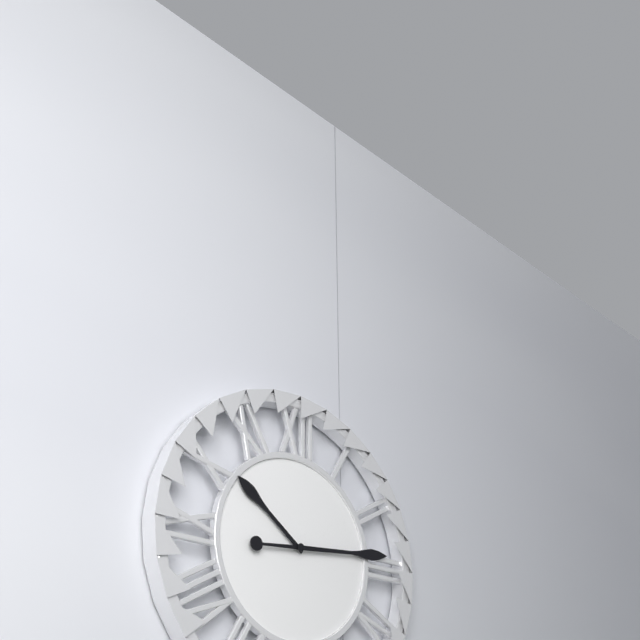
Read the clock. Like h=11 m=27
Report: h=10 m=14
